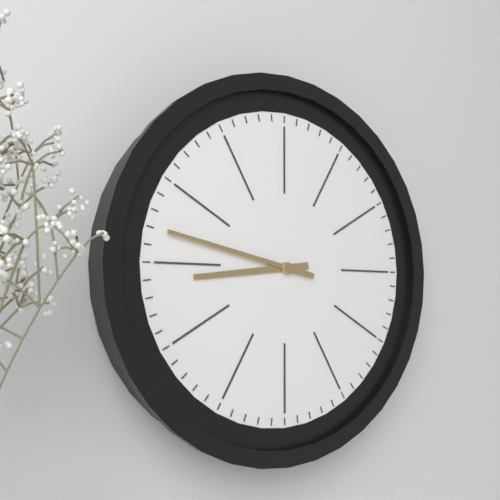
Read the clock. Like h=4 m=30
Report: h=8 m=47
